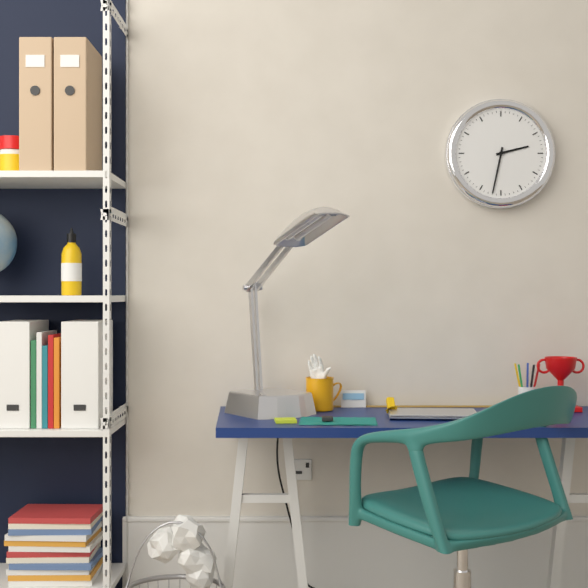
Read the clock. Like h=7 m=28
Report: h=2 m=32
